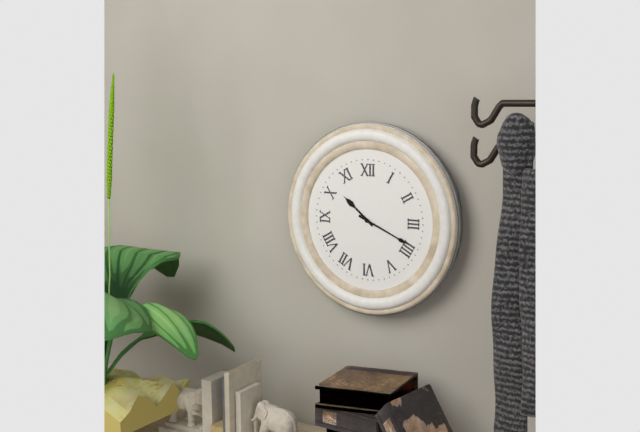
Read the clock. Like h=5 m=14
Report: h=10 m=19
